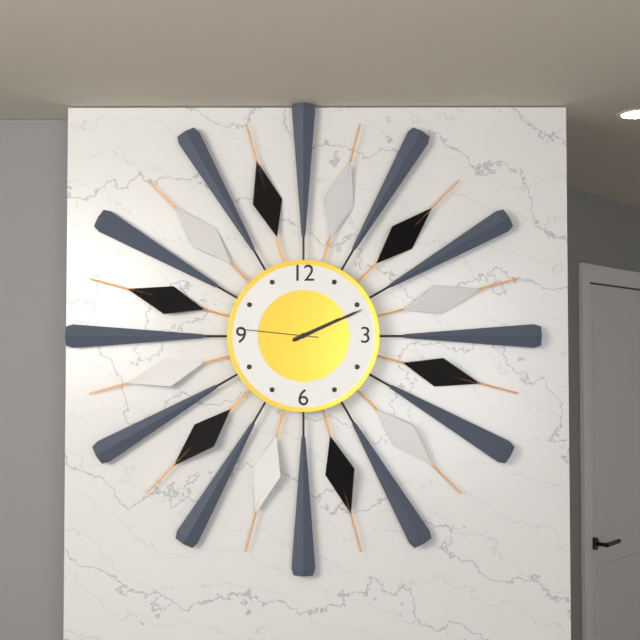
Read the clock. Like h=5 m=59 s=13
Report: h=2 m=11 s=46
